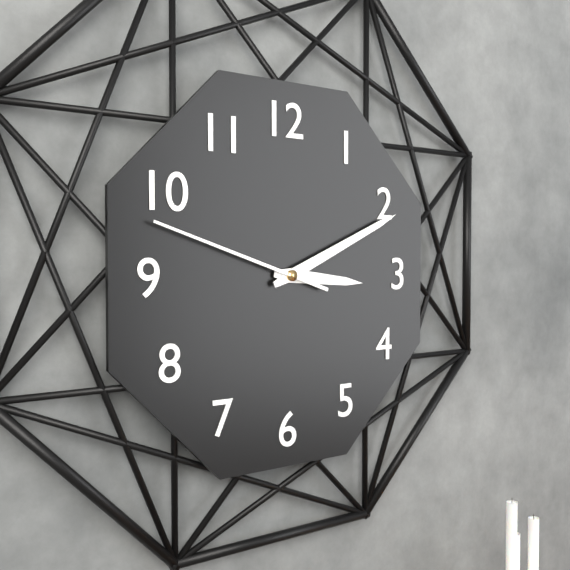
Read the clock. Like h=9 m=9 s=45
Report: h=3 m=11 s=48
